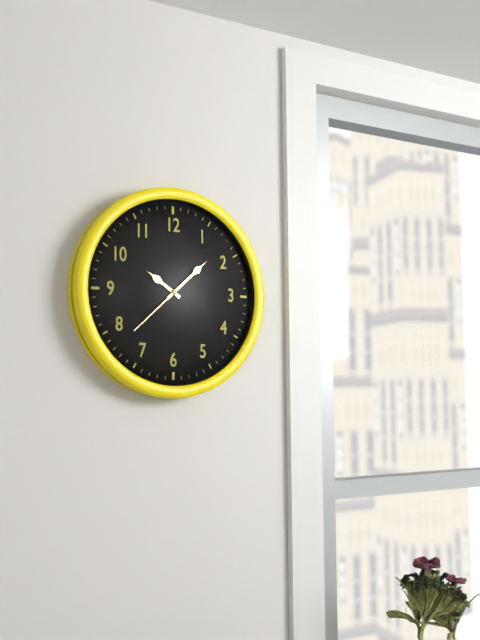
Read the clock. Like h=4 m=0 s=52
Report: h=10 m=8 s=38
